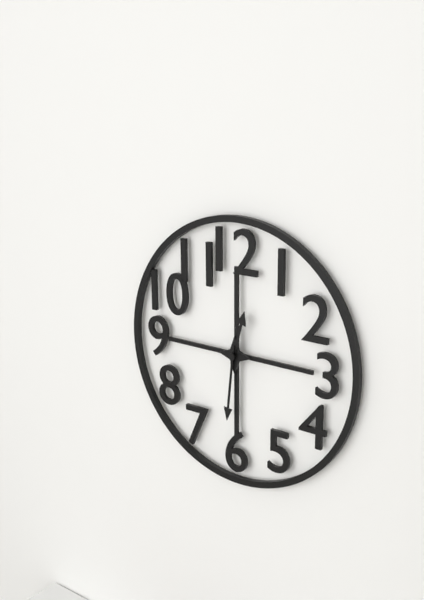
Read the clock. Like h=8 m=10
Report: h=12 m=31
